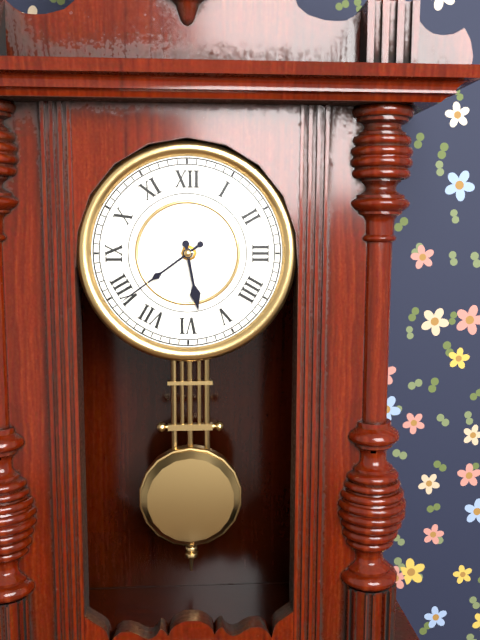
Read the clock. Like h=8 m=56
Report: h=5 m=39
